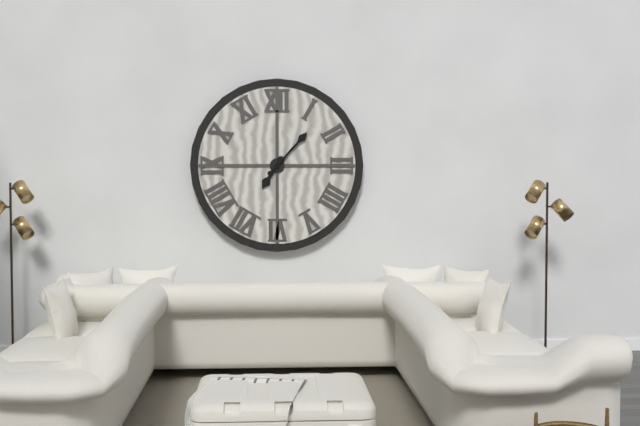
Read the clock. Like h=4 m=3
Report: h=7 m=7
